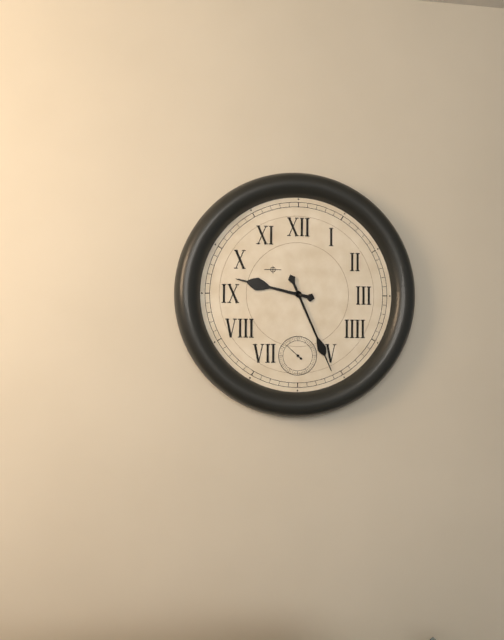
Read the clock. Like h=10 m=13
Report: h=9 m=26
